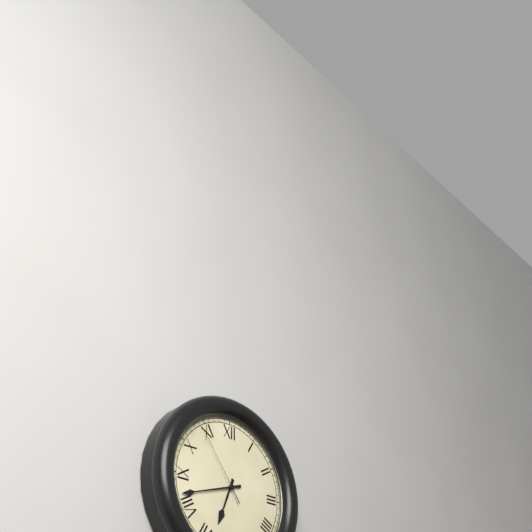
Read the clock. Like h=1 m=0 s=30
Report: h=6 m=42 s=54
